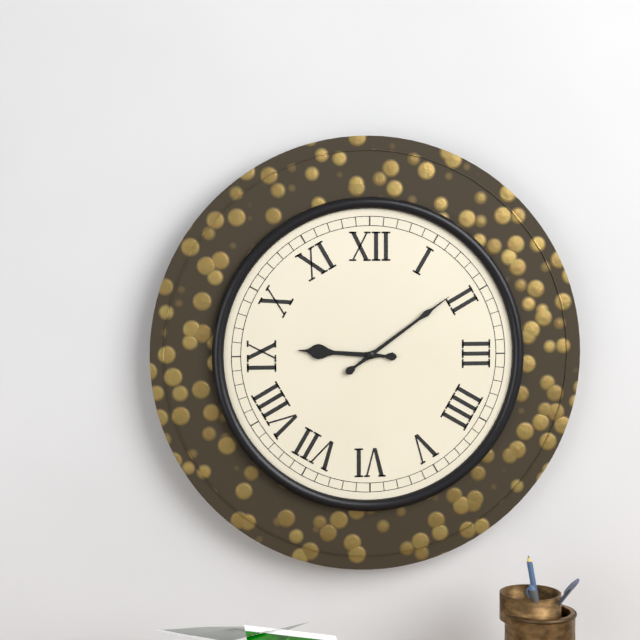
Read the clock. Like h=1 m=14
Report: h=9 m=9
